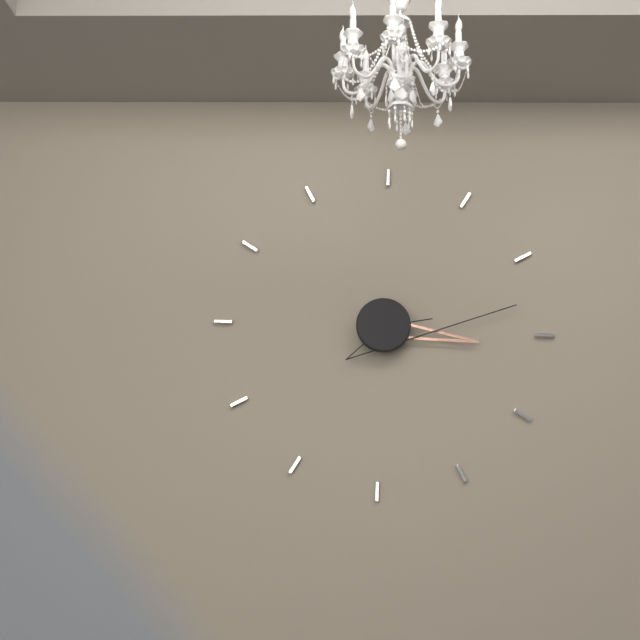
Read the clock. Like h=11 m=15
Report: h=3 m=13
